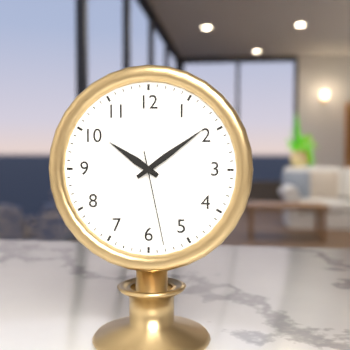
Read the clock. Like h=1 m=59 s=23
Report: h=10 m=9 s=28
